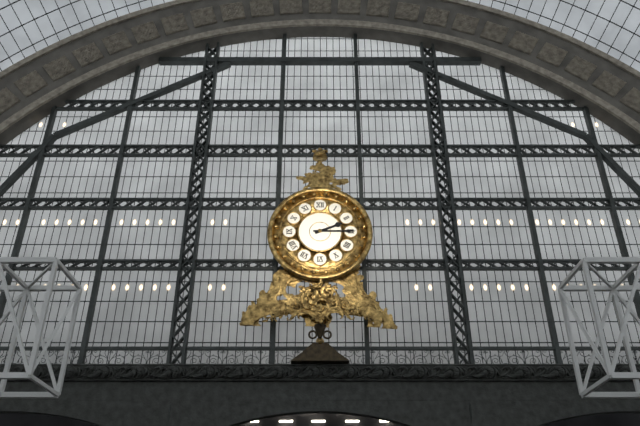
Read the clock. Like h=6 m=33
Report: h=2 m=15
